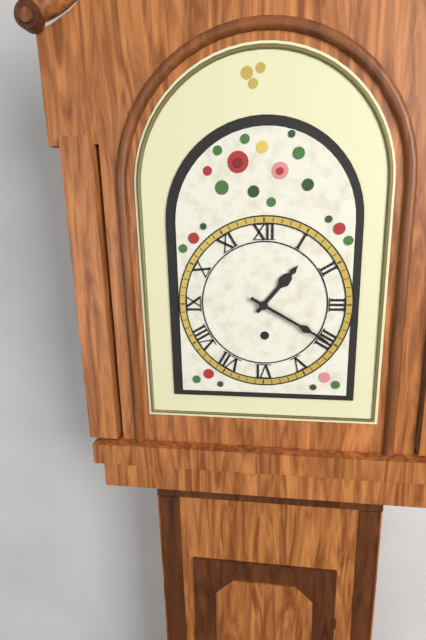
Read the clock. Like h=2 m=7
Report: h=1 m=20
